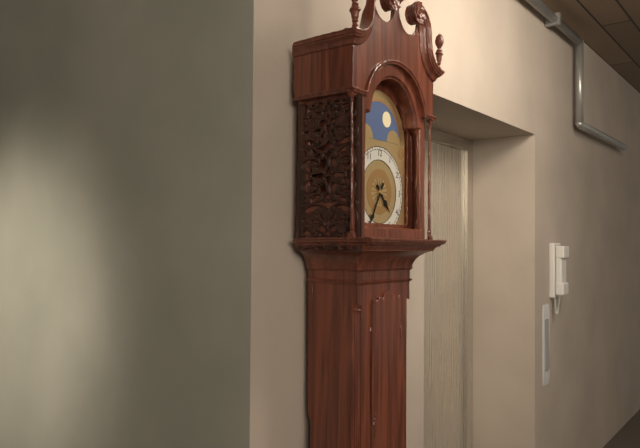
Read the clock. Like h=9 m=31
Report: h=4 m=35
